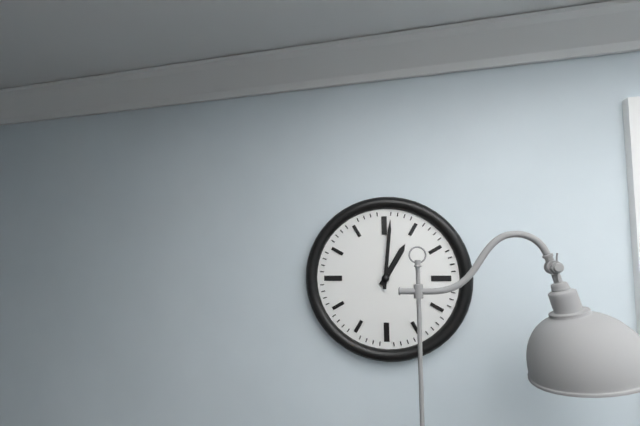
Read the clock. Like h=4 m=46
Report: h=1 m=1
